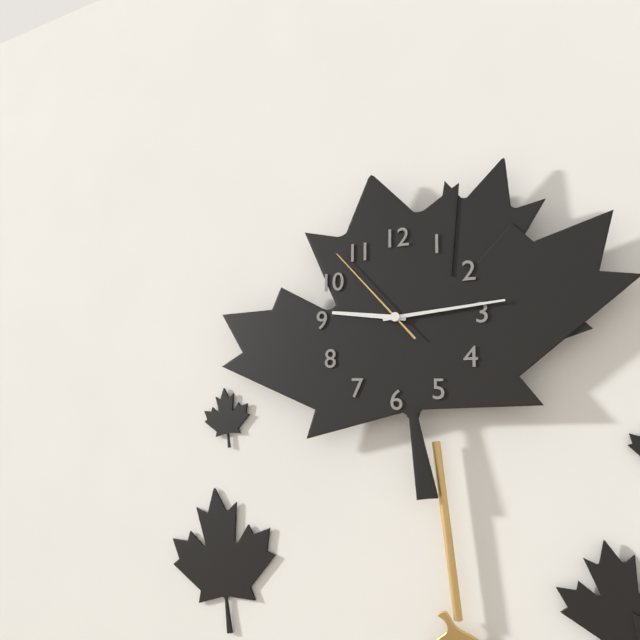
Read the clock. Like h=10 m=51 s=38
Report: h=9 m=14 s=53
